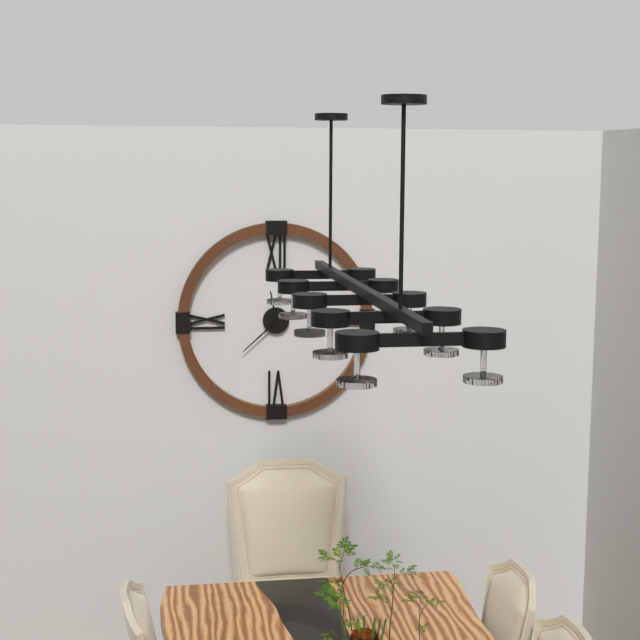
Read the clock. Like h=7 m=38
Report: h=11 m=38
